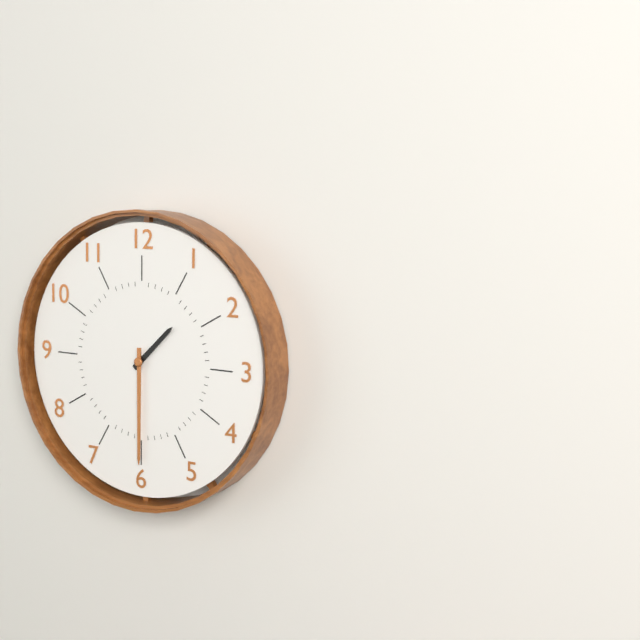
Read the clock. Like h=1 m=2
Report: h=1 m=30
